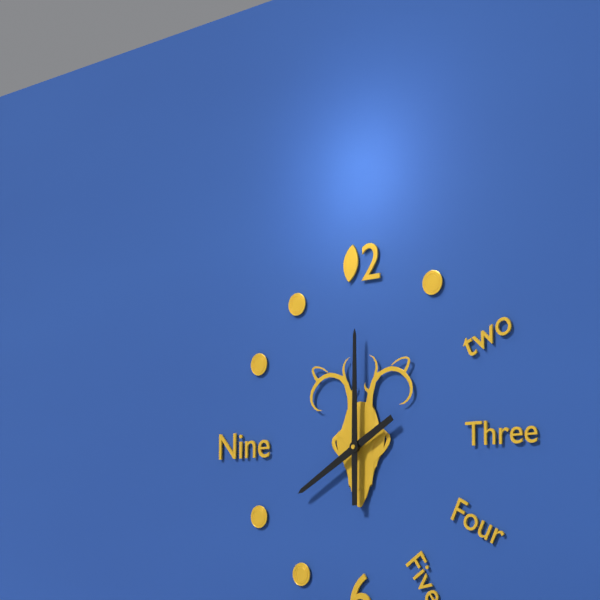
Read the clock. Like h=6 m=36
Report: h=8 m=0
